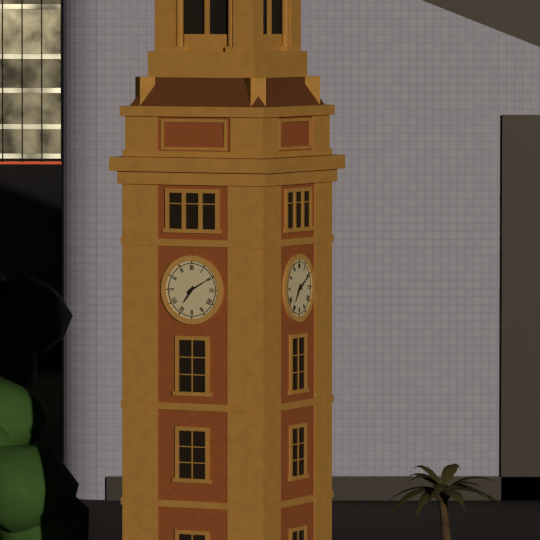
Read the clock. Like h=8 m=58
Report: h=7 m=10
